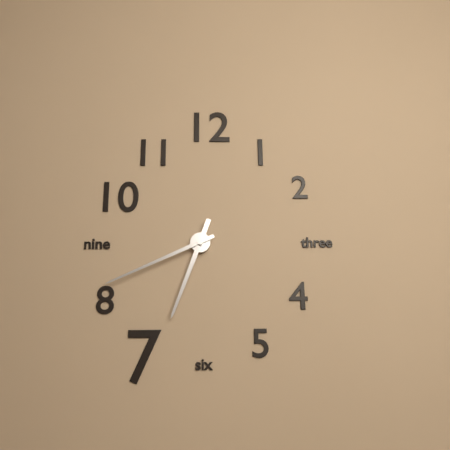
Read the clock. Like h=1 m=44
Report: h=6 m=41
